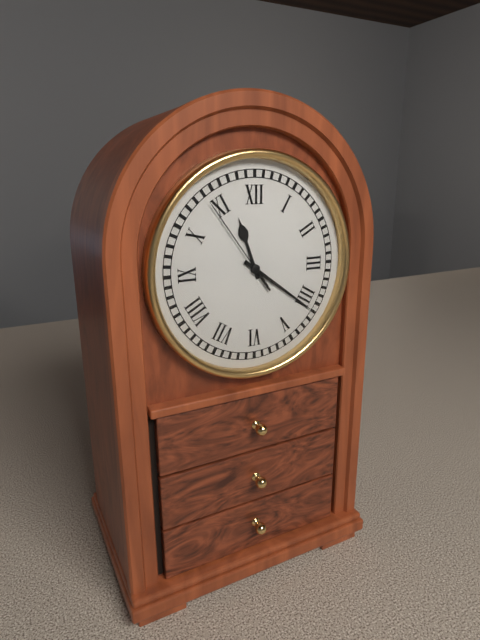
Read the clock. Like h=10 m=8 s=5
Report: h=11 m=21 s=54
